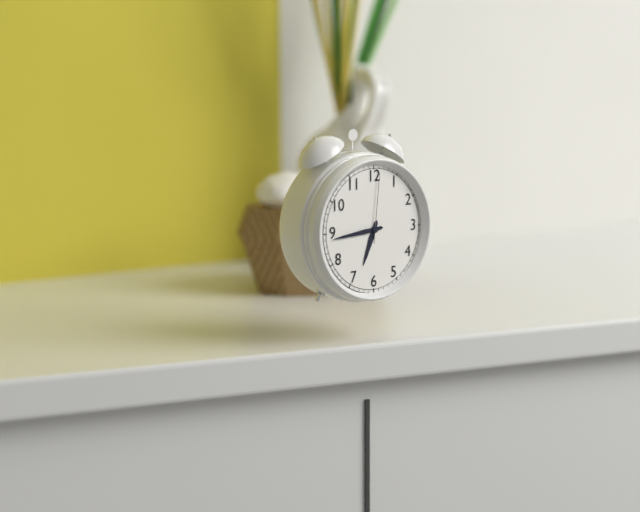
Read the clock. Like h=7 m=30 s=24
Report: h=6 m=44 s=1
